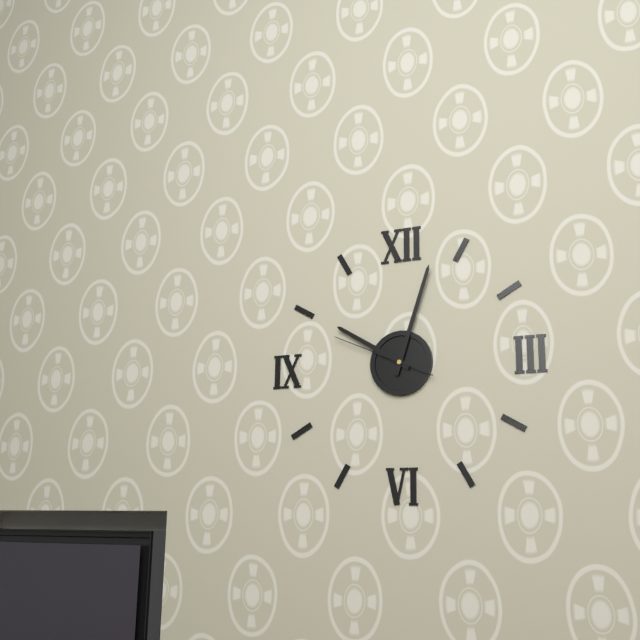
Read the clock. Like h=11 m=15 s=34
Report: h=10 m=3 s=49
